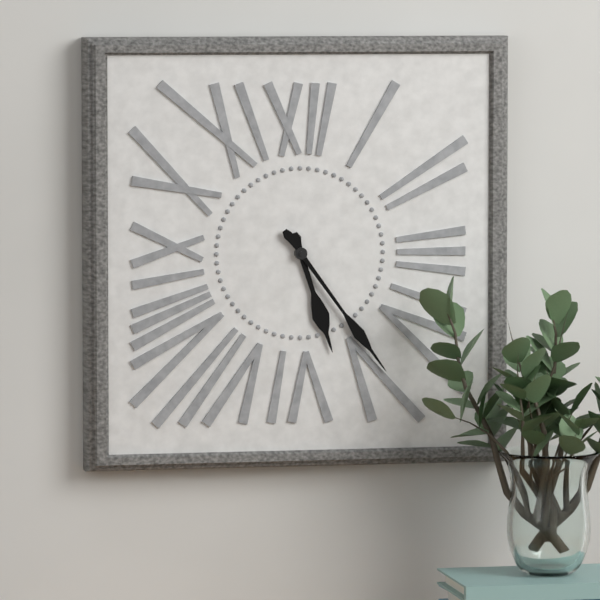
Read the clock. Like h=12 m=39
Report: h=5 m=24
